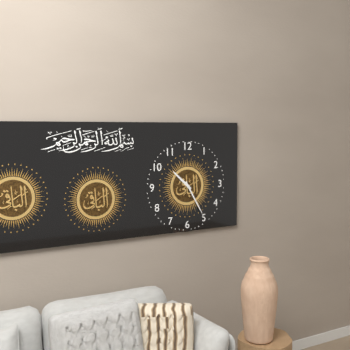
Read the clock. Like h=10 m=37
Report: h=10 m=25
